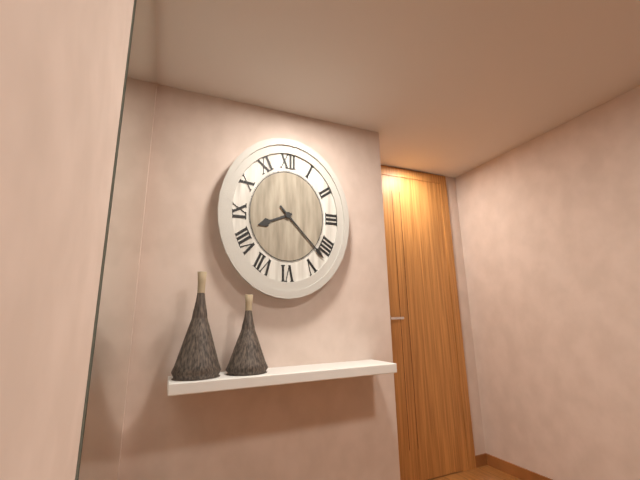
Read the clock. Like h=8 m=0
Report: h=8 m=22
